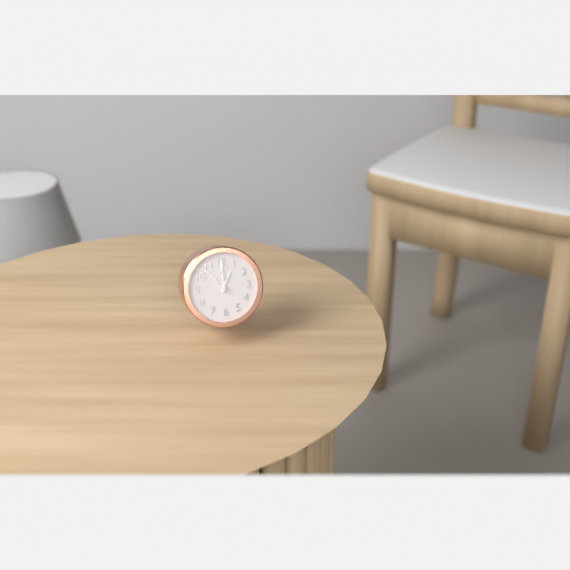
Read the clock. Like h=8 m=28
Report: h=1 m=0
